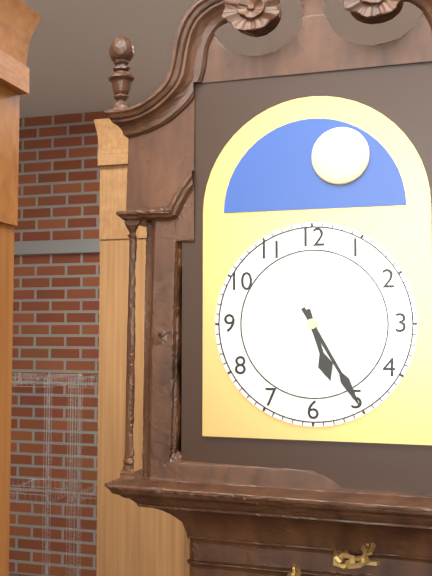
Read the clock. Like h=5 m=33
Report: h=5 m=25
